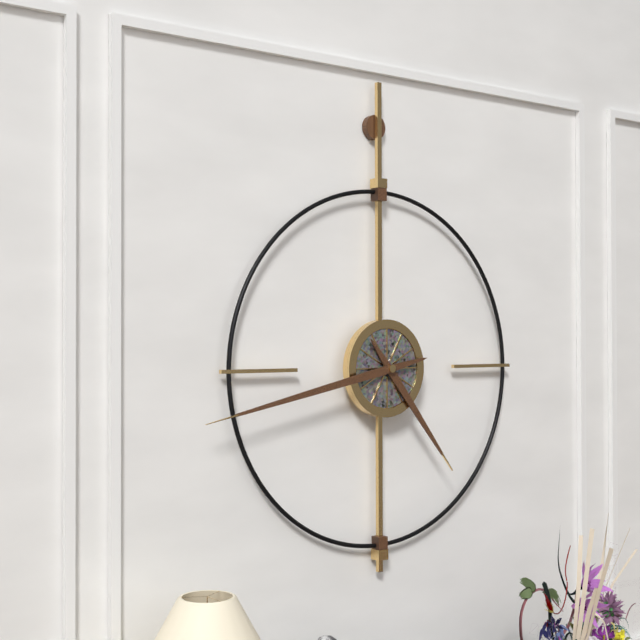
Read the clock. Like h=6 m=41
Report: h=4 m=43
